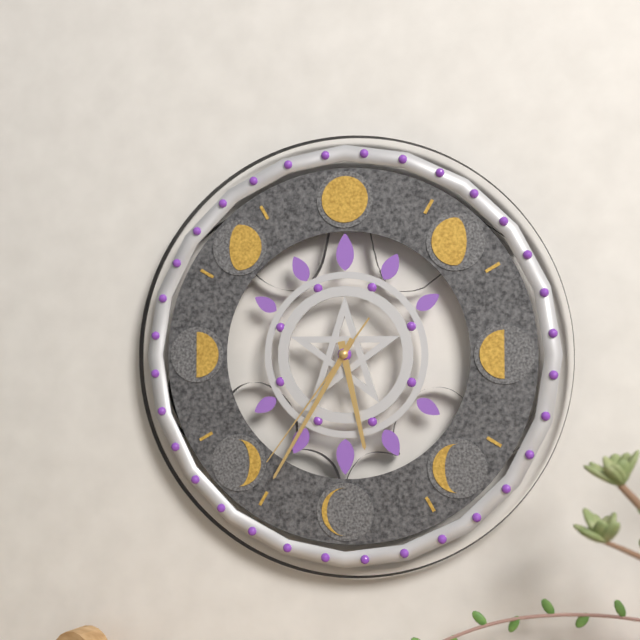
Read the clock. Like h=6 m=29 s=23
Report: h=5 m=35 s=36
